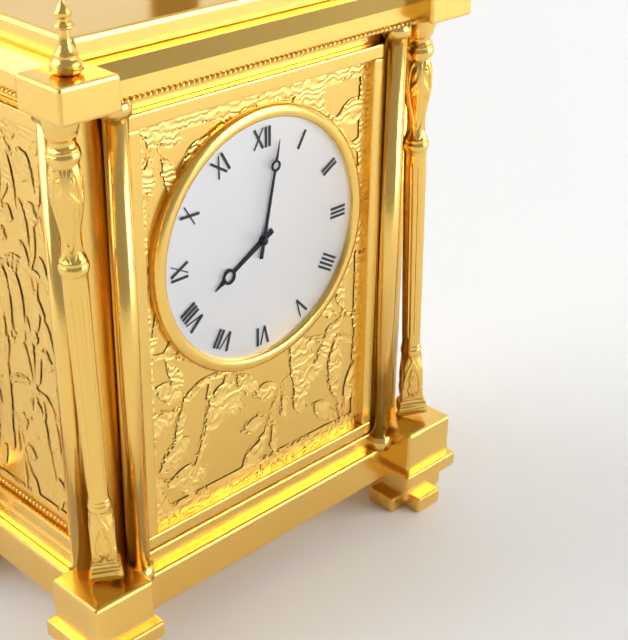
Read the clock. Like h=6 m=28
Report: h=8 m=2
